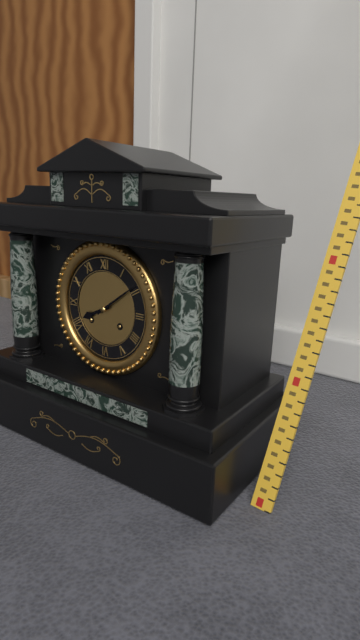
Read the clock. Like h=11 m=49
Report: h=8 m=9
